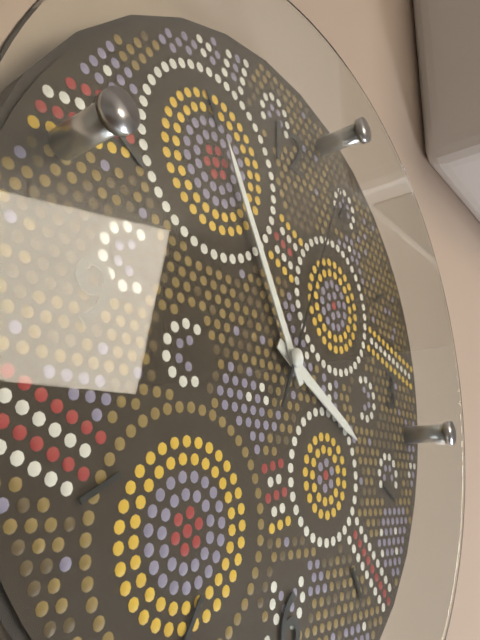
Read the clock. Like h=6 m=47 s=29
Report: h=3 m=55 s=4
